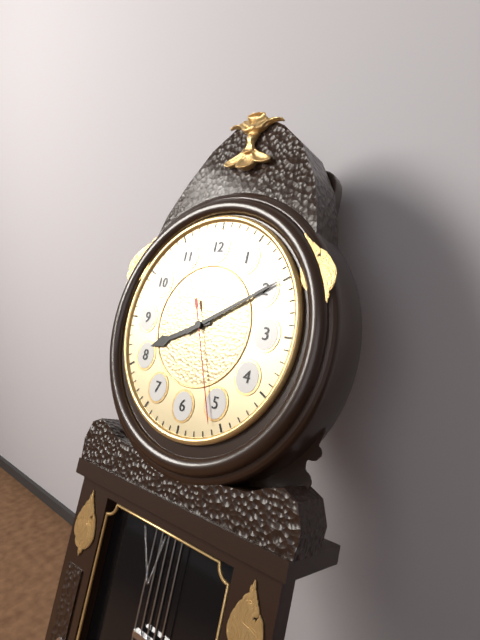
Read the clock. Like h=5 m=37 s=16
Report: h=8 m=10 s=26
